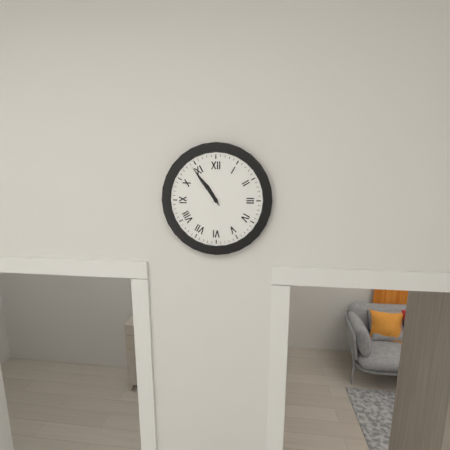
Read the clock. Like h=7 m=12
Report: h=10 m=54
